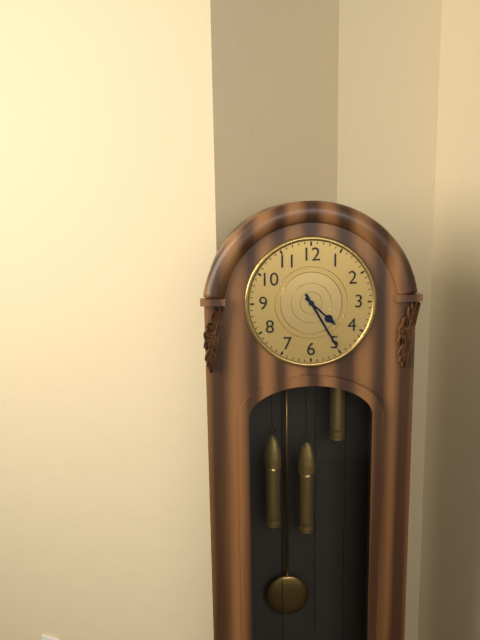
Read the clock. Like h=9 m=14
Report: h=4 m=25
